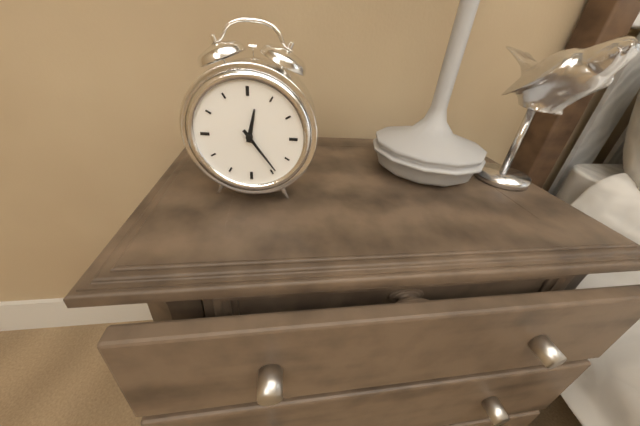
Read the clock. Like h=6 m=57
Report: h=12 m=24
